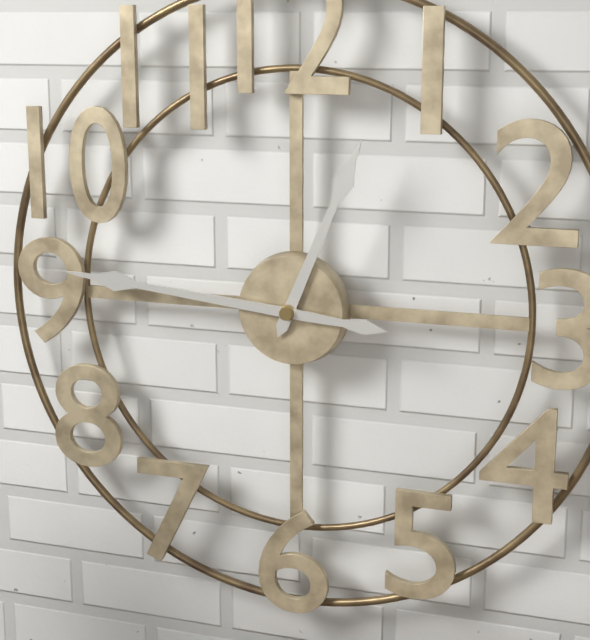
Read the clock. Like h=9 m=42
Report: h=12 m=46
